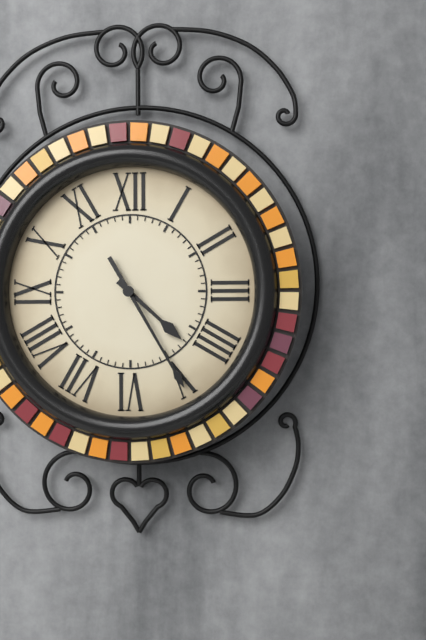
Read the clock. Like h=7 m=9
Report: h=4 m=25
